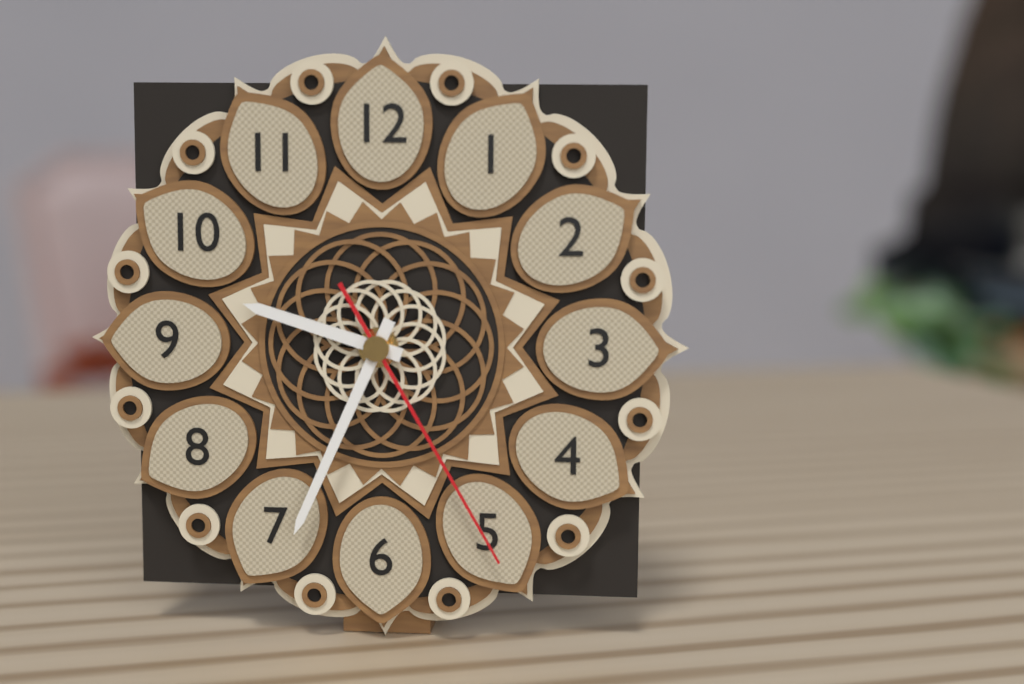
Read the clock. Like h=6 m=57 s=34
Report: h=9 m=34 s=25
